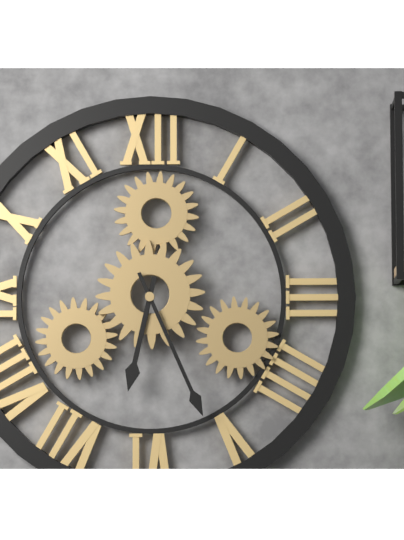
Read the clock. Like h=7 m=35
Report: h=6 m=26
